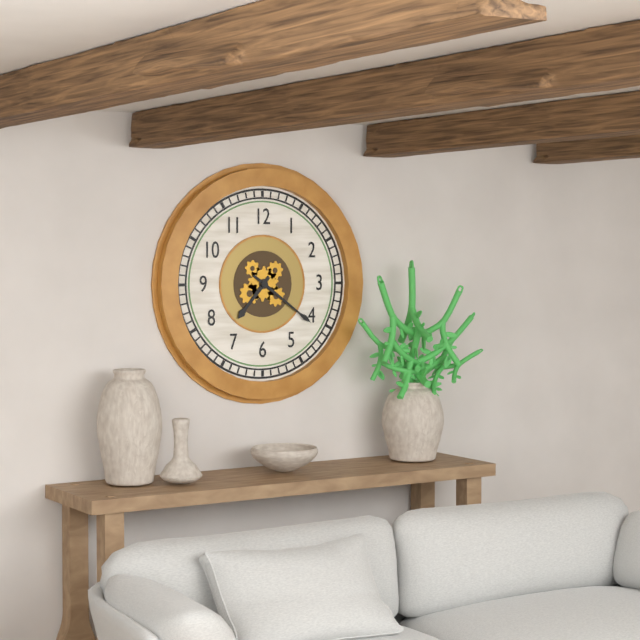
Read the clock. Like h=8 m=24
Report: h=7 m=21
